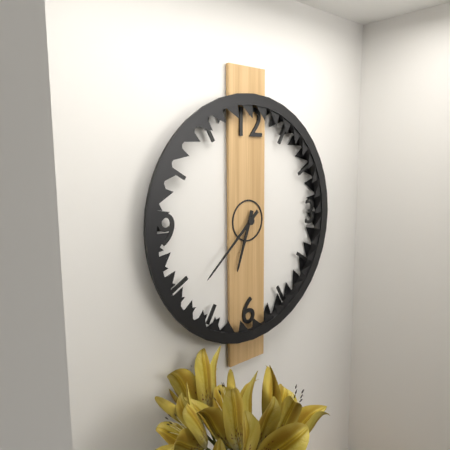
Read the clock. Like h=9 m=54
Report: h=6 m=38
